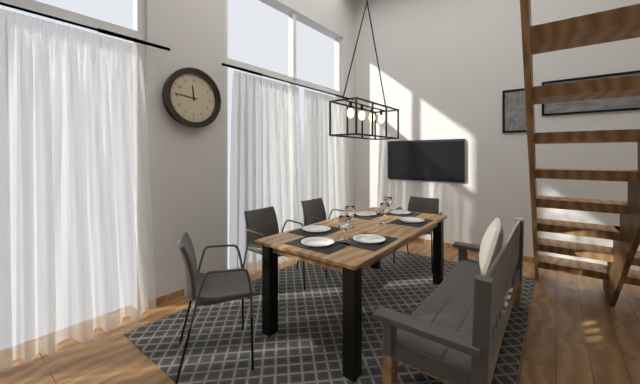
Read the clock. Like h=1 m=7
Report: h=11 m=46
